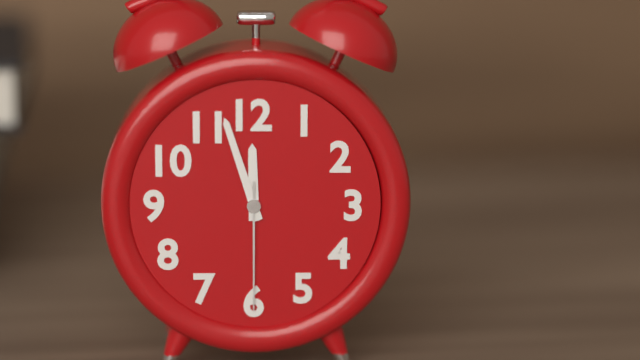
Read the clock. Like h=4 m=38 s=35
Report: h=11 m=57 s=30
